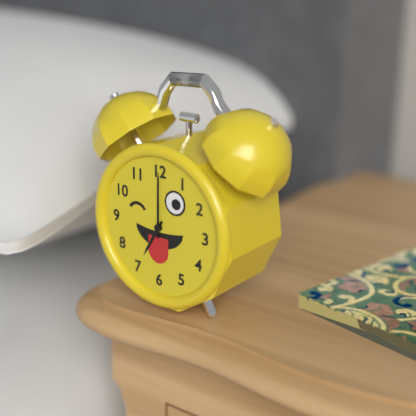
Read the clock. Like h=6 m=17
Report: h=7 m=0
